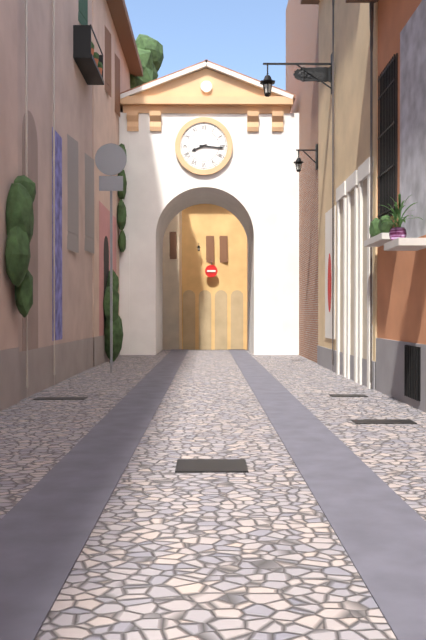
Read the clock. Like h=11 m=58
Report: h=8 m=16
